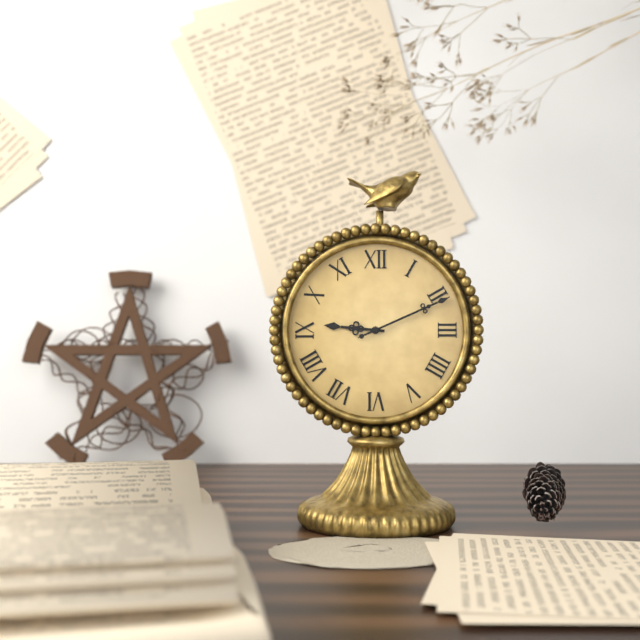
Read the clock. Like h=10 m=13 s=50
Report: h=9 m=11 s=11
